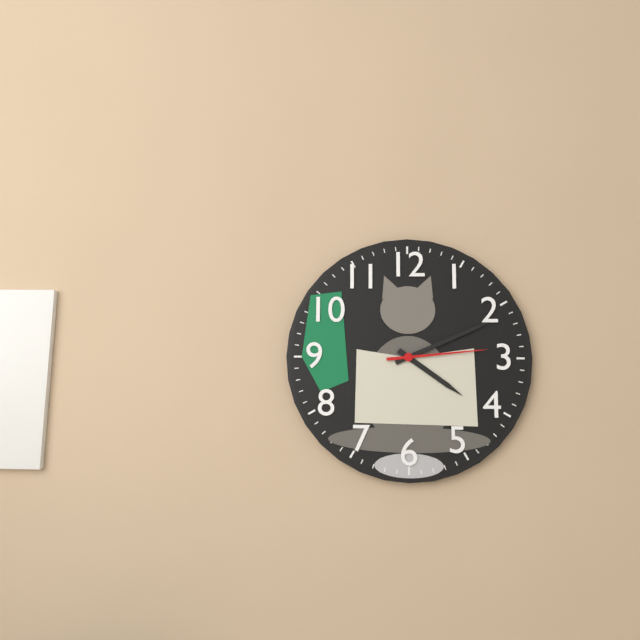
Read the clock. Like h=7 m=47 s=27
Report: h=4 m=11 s=14
